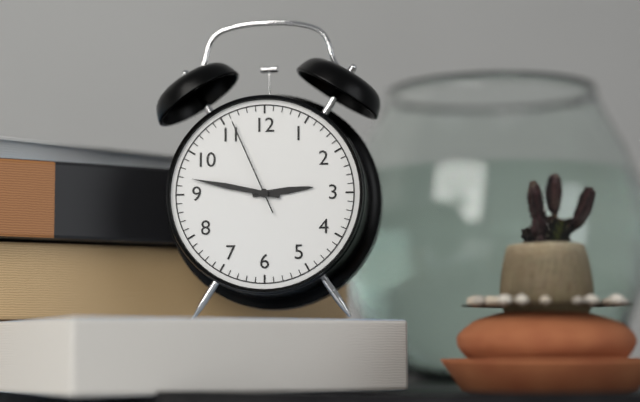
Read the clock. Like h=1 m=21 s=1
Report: h=2 m=47 s=56
